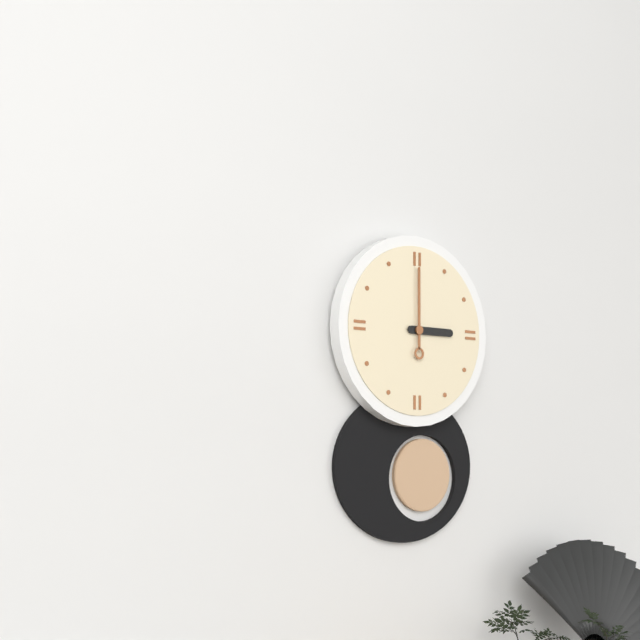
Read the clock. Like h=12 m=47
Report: h=3 m=0
